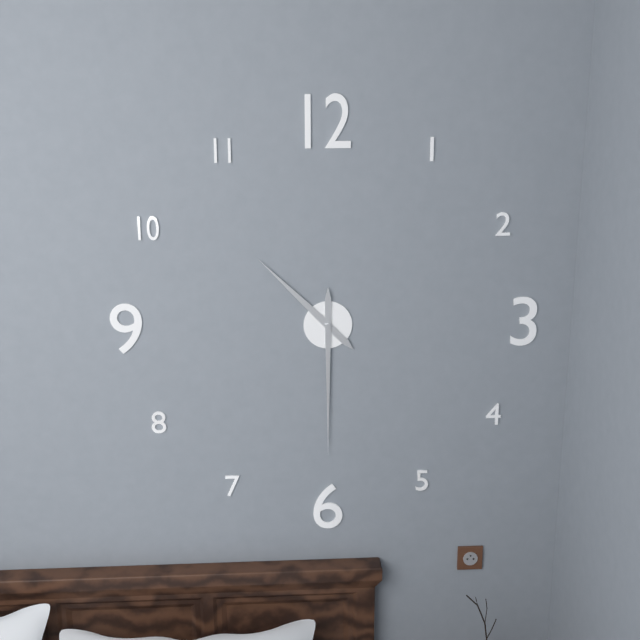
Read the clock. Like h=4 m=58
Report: h=10 m=30
